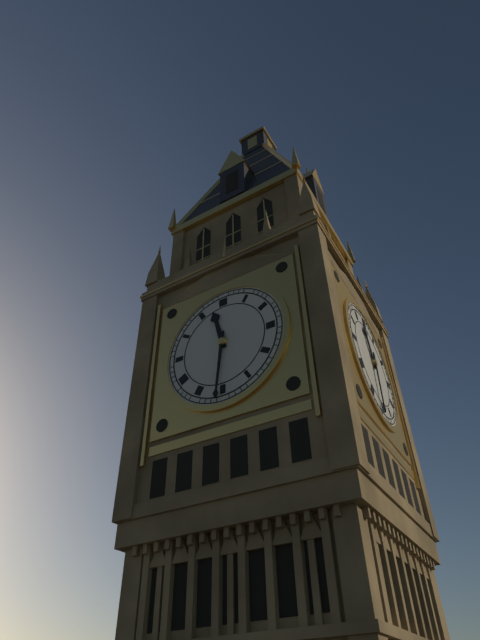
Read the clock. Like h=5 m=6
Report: h=11 m=31
